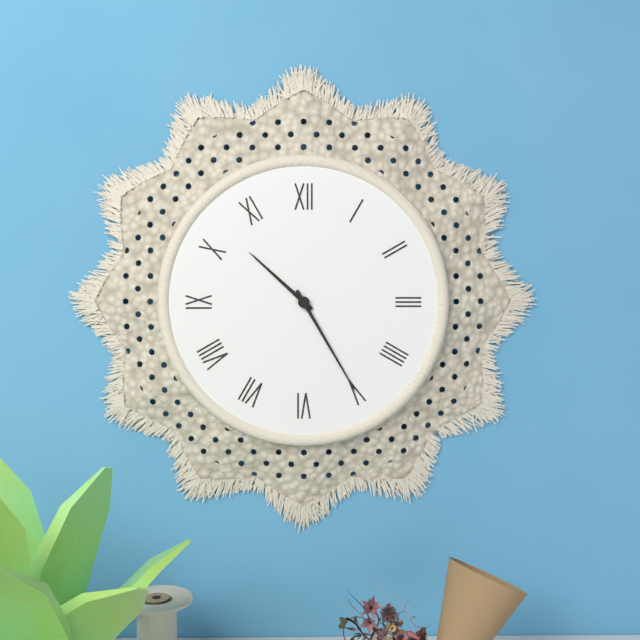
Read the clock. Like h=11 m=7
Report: h=10 m=25
